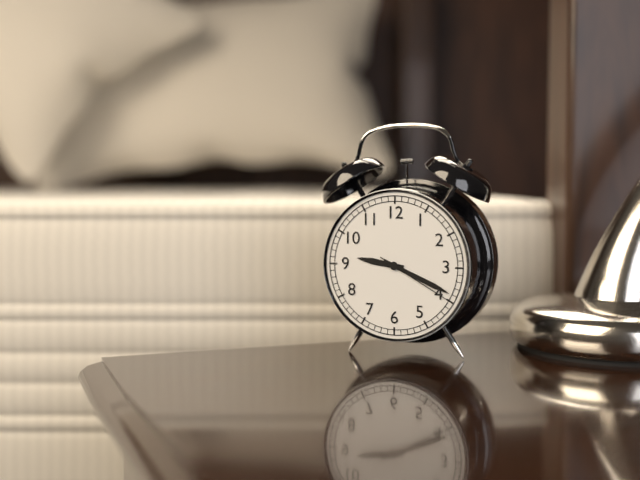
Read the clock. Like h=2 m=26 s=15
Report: h=9 m=19 s=20
